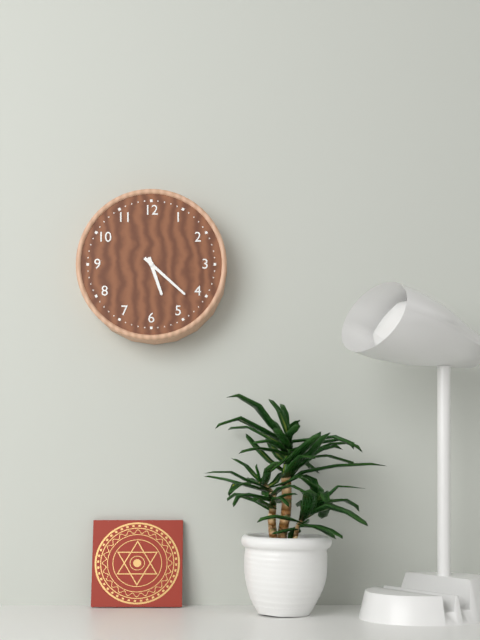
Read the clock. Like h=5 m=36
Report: h=5 m=22
